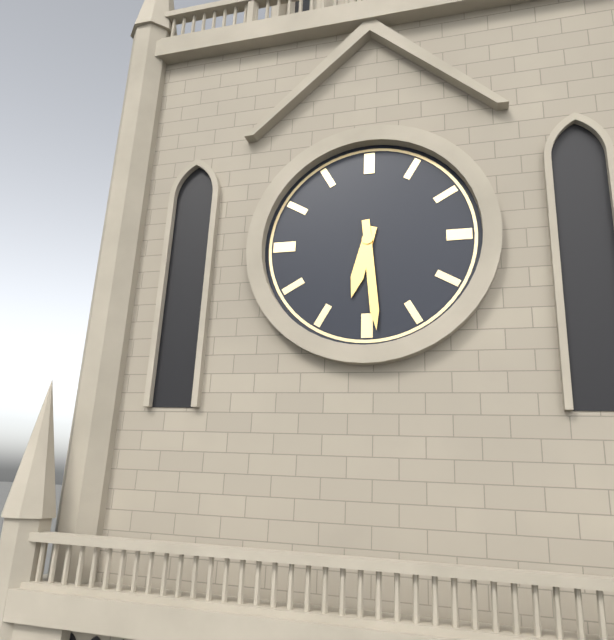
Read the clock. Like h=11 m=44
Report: h=6 m=29
